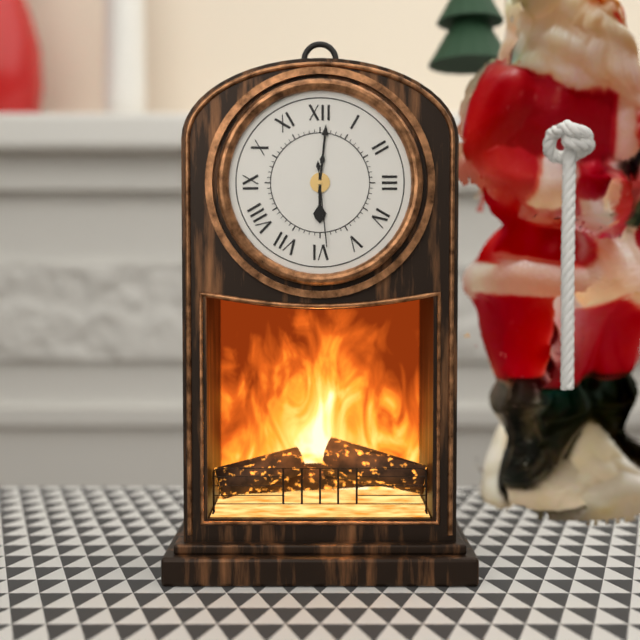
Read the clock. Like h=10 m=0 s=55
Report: h=6 m=1 s=29
